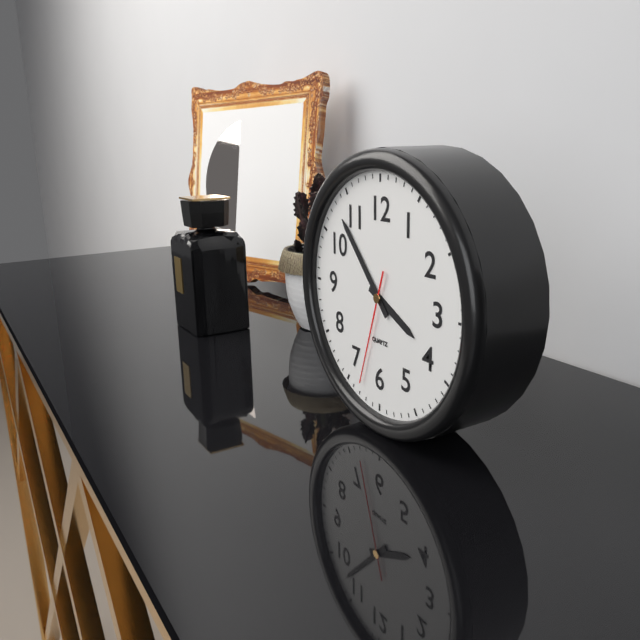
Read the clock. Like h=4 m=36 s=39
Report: h=3 m=53 s=33
